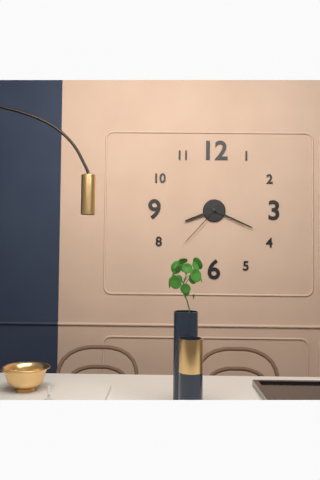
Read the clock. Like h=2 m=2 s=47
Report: h=8 m=19 s=37
